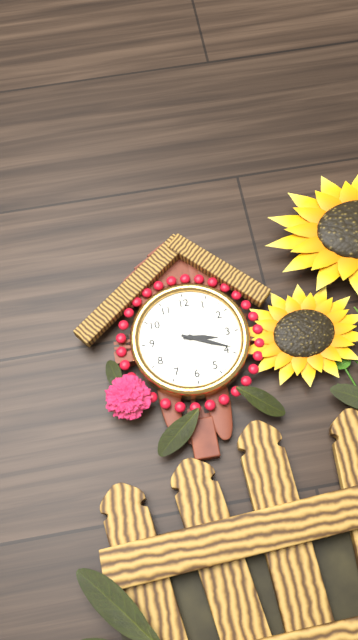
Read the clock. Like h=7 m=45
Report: h=3 m=19
